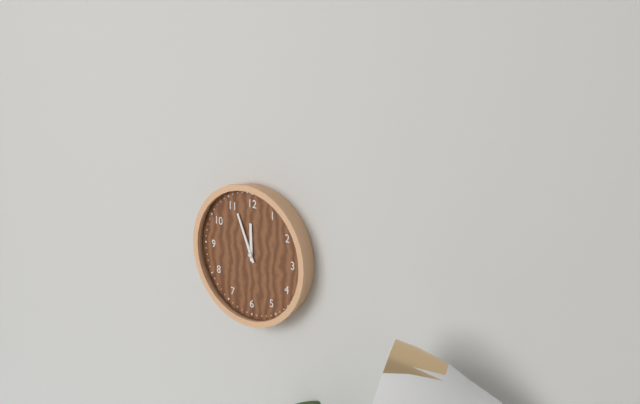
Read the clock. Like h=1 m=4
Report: h=11 m=56
